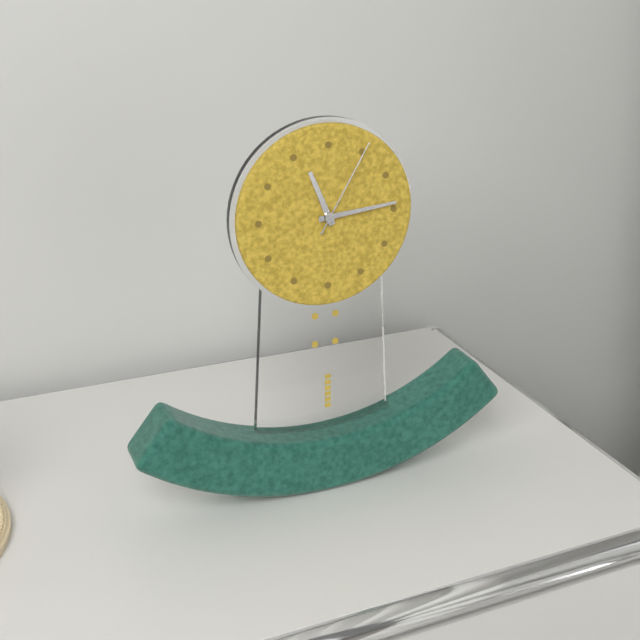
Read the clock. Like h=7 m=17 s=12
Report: h=11 m=14 s=5
